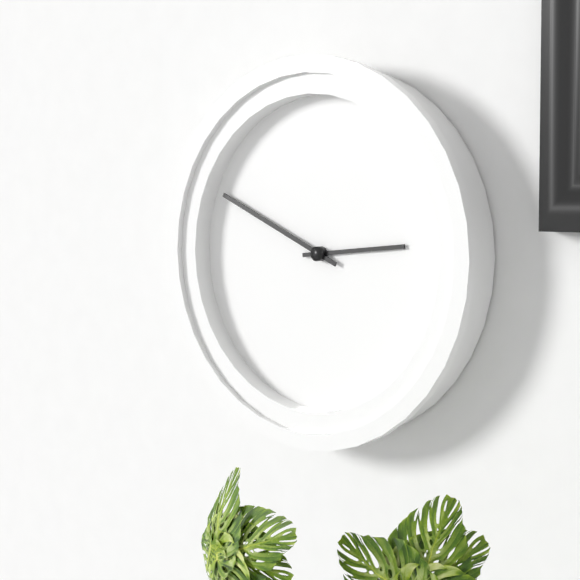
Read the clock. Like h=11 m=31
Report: h=2 m=49
